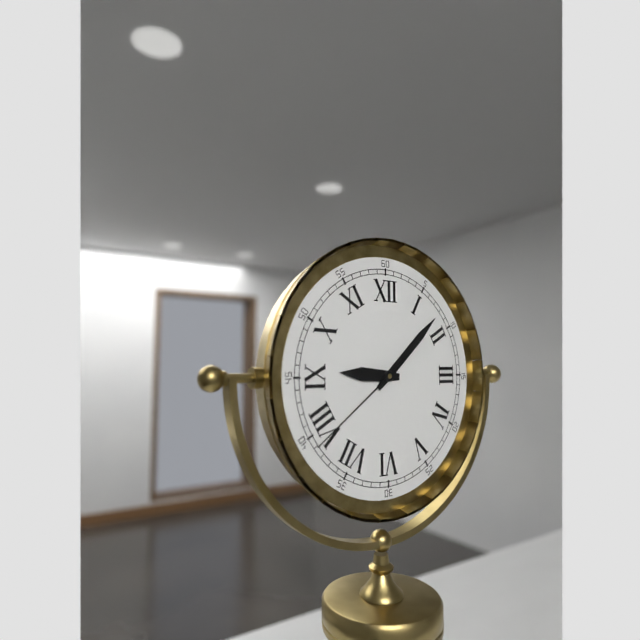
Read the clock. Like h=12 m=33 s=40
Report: h=9 m=8 s=39
